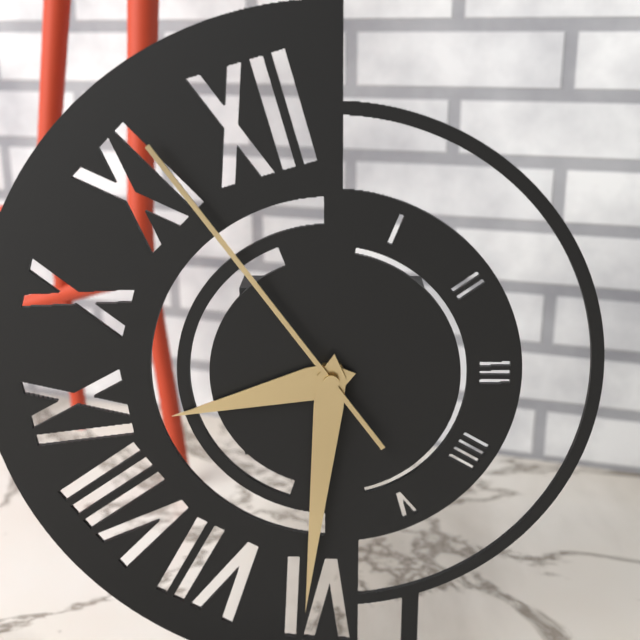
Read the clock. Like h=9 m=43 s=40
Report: h=8 m=31 s=54
